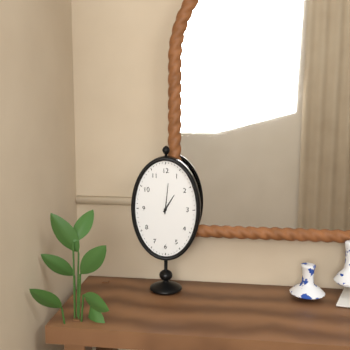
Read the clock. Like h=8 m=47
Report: h=1 m=1
